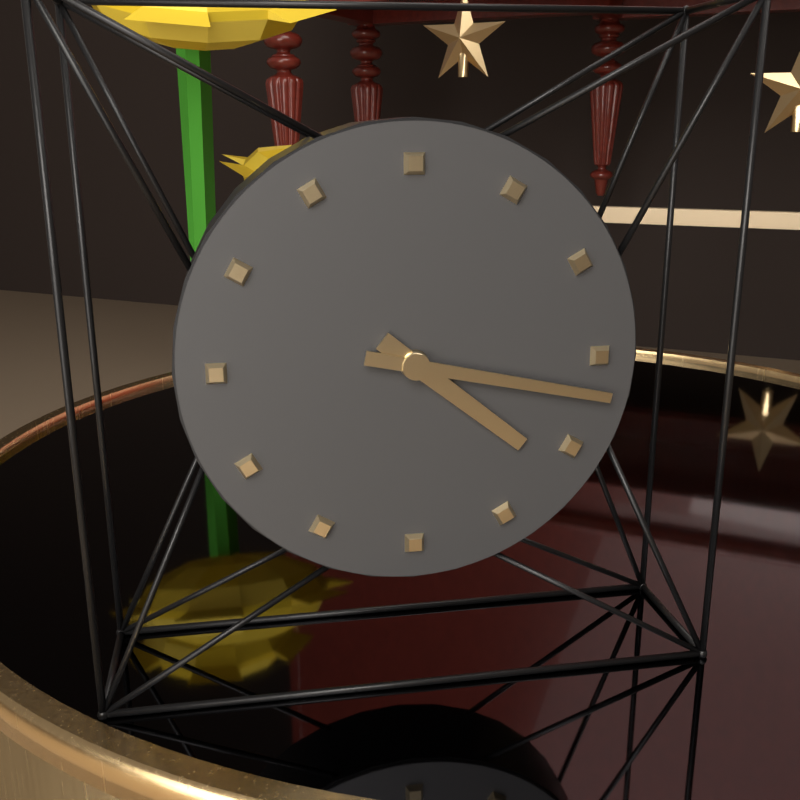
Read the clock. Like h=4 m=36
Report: h=4 m=17
